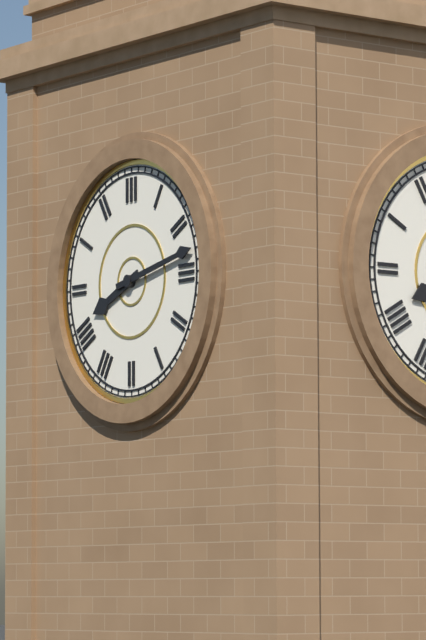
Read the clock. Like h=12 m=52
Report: h=8 m=13
